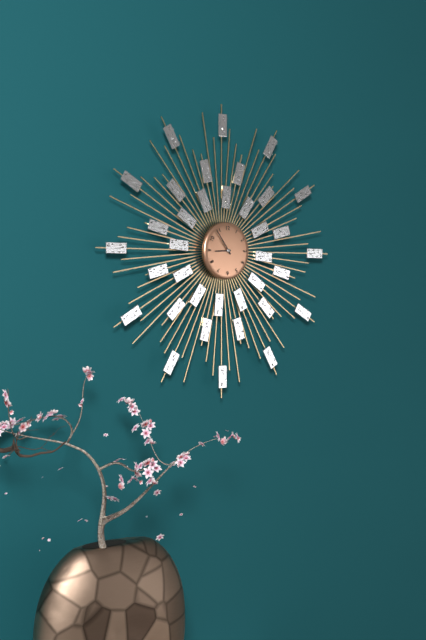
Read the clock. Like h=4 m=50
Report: h=8 m=54
